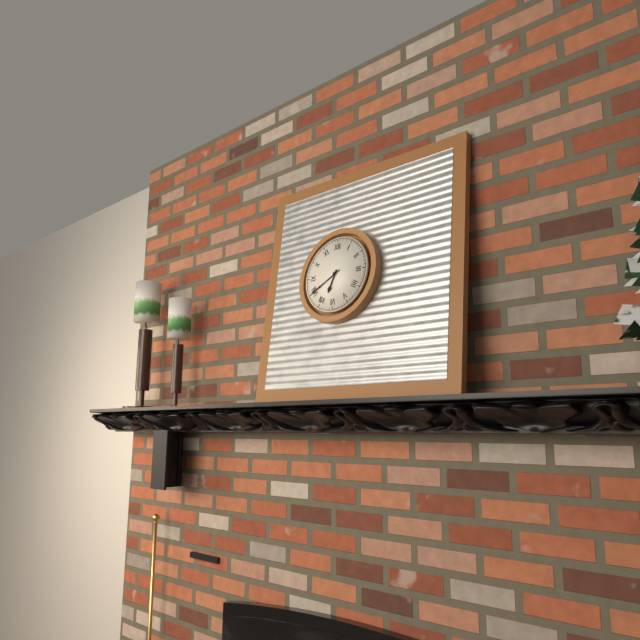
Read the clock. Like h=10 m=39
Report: h=6 m=40
